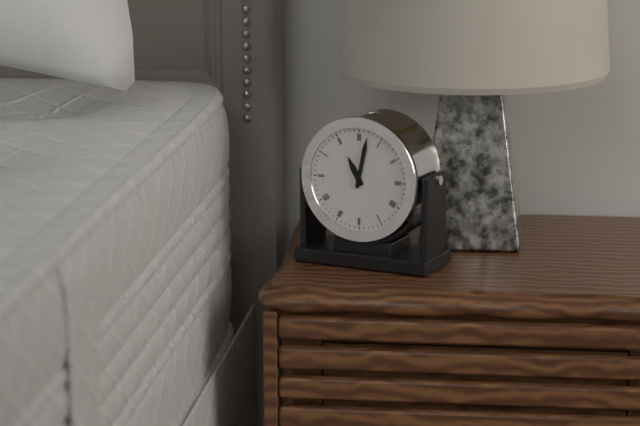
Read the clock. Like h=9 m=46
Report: h=11 m=2
